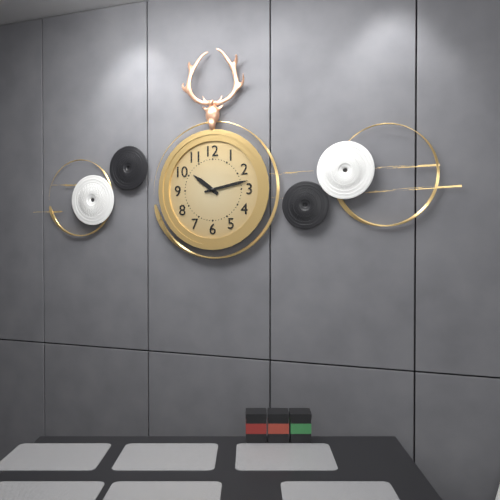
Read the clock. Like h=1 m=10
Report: h=10 m=13
